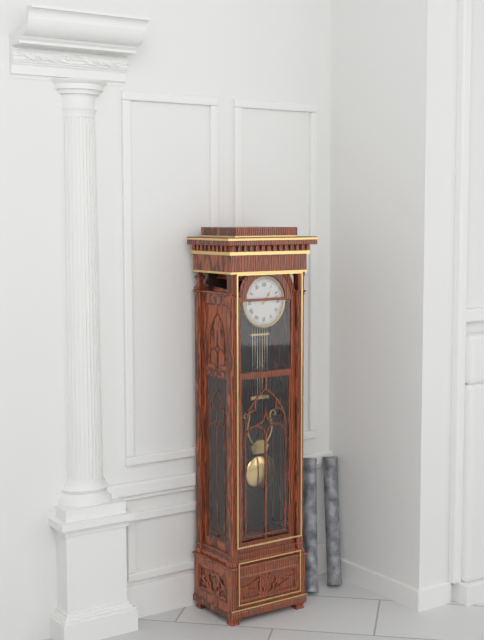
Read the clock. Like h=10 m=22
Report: h=1 m=12
